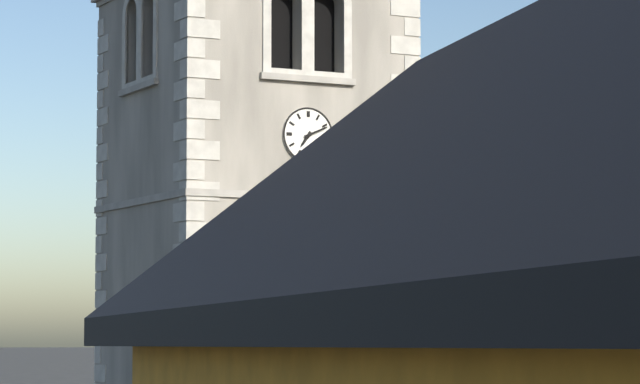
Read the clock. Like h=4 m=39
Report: h=7 m=11
